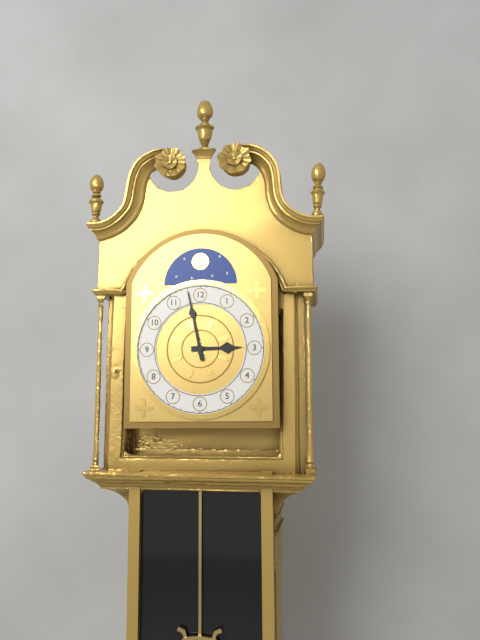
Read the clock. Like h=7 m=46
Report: h=2 m=58
